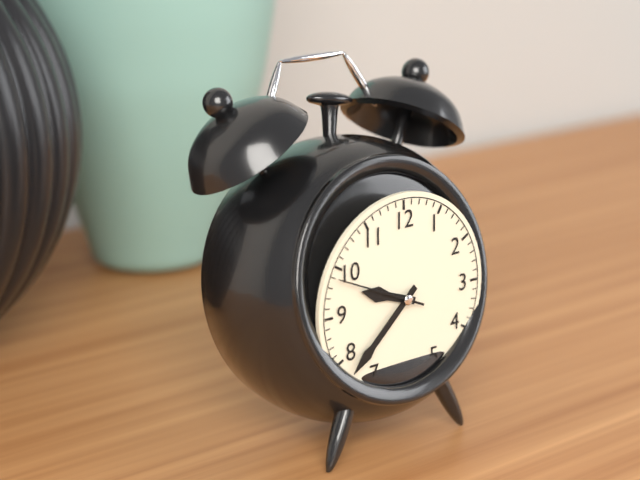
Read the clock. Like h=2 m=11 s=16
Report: h=9 m=38 s=49
